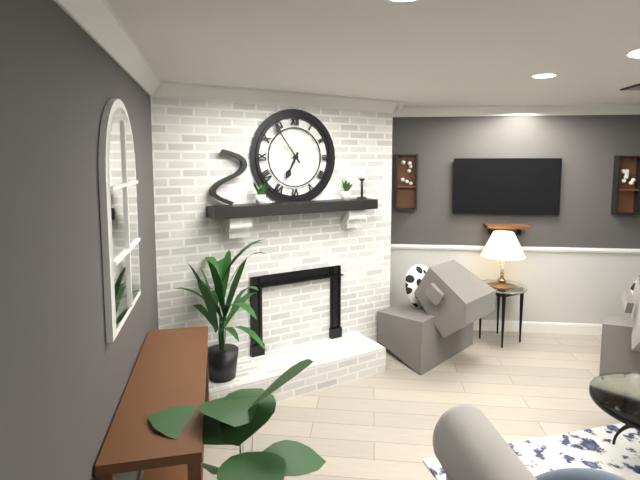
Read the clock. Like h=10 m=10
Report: h=6 m=54
